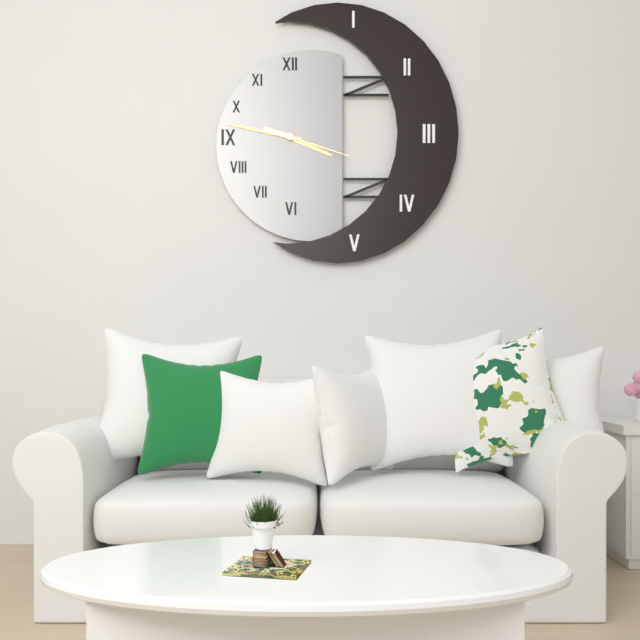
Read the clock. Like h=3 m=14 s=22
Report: h=3 m=47 s=18
